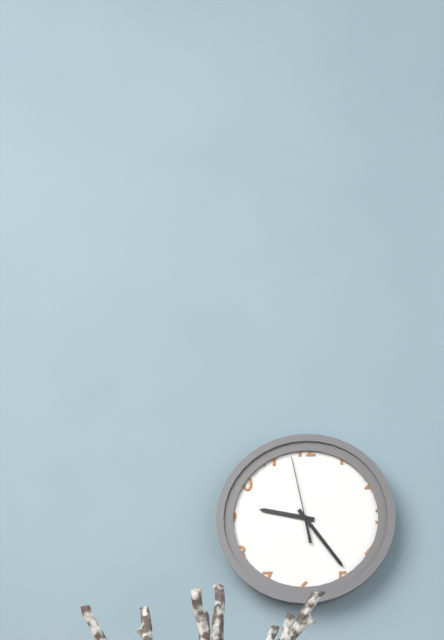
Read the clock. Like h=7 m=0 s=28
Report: h=9 m=24 s=58
